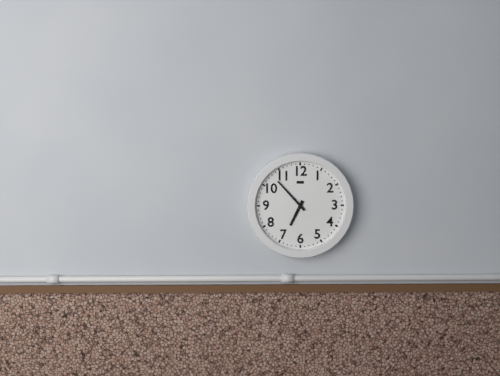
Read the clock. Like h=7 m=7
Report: h=6 m=53
